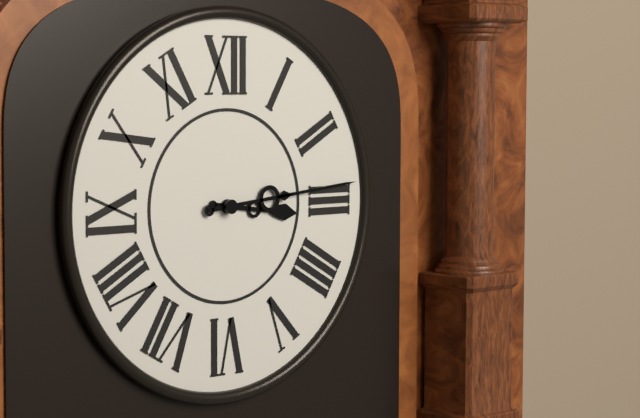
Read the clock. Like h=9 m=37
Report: h=3 m=14
